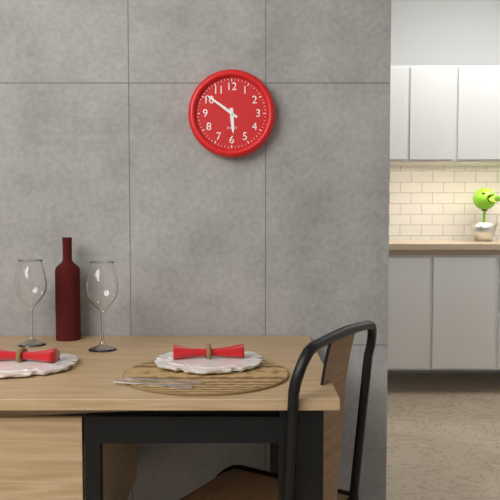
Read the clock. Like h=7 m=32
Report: h=5 m=51
